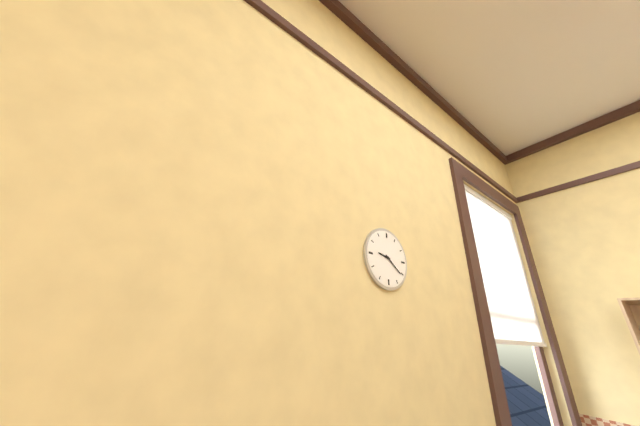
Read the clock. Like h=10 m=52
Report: h=9 m=21
